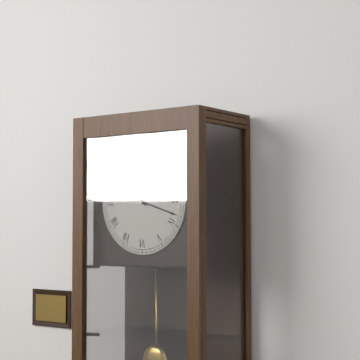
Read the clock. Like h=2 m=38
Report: h=10 m=18
